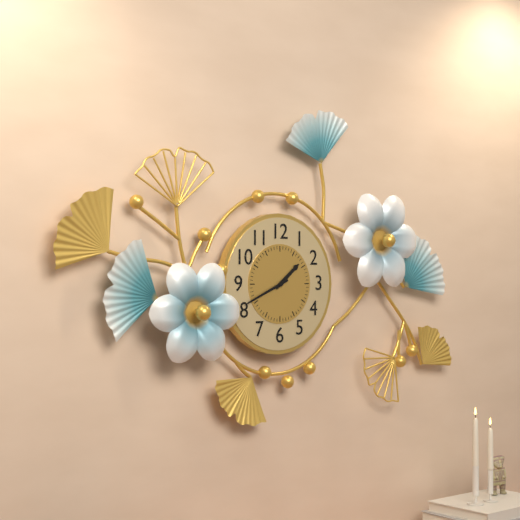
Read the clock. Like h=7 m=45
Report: h=1 m=41
